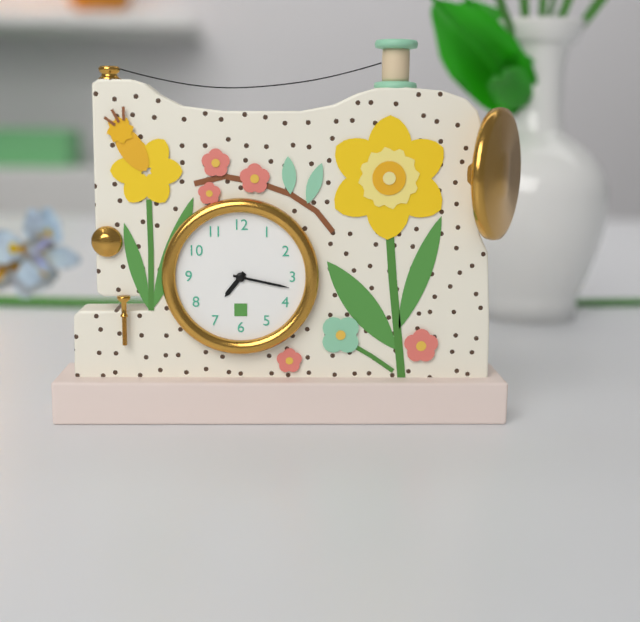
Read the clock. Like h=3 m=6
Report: h=7 m=17
